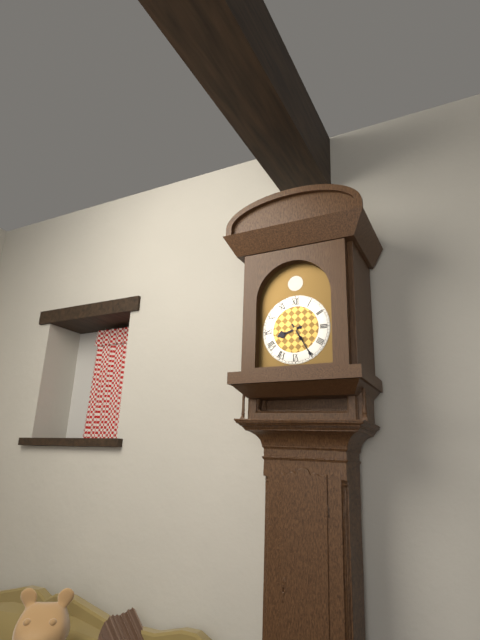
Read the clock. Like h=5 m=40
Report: h=8 m=25
